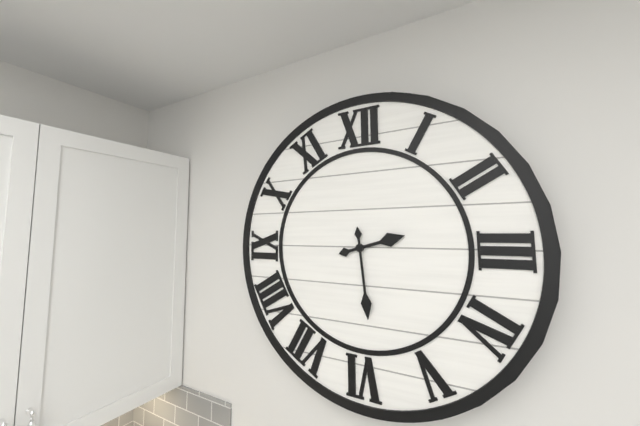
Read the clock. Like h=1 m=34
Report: h=2 m=29
